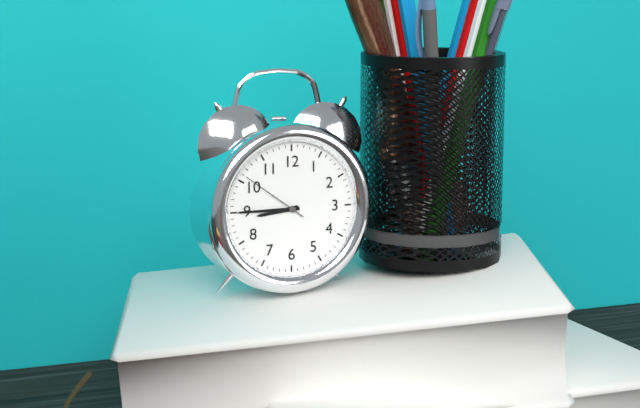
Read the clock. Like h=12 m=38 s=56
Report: h=8 m=45 s=51
